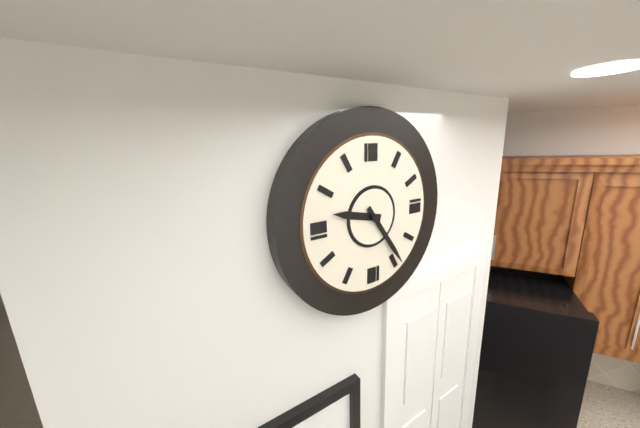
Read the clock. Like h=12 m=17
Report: h=9 m=24
